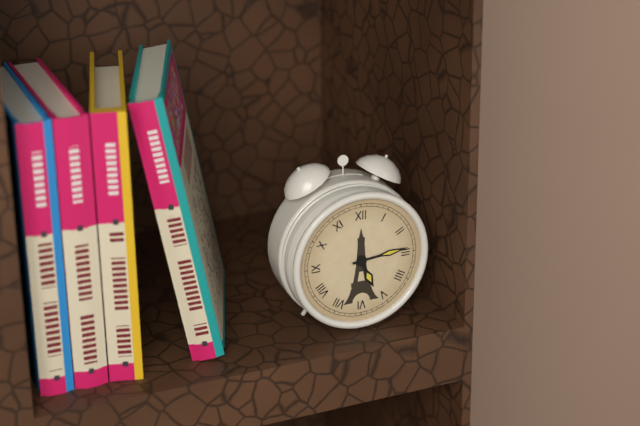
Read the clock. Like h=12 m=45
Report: h=5 m=14
